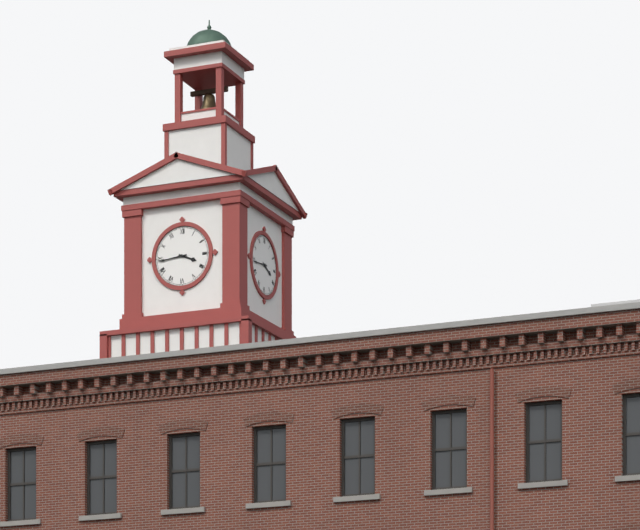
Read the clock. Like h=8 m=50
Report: h=3 m=44
